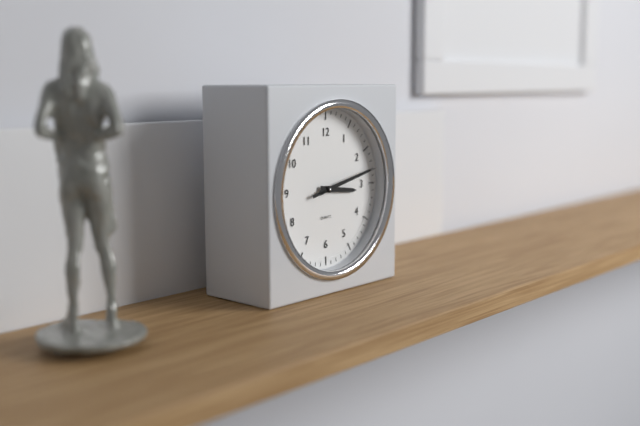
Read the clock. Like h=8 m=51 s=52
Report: h=3 m=13 s=13
